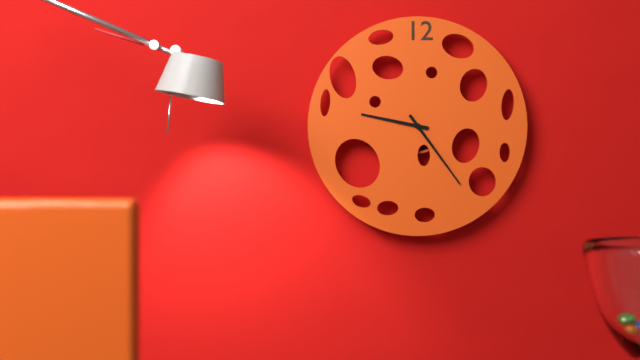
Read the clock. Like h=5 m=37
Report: h=9 m=24
